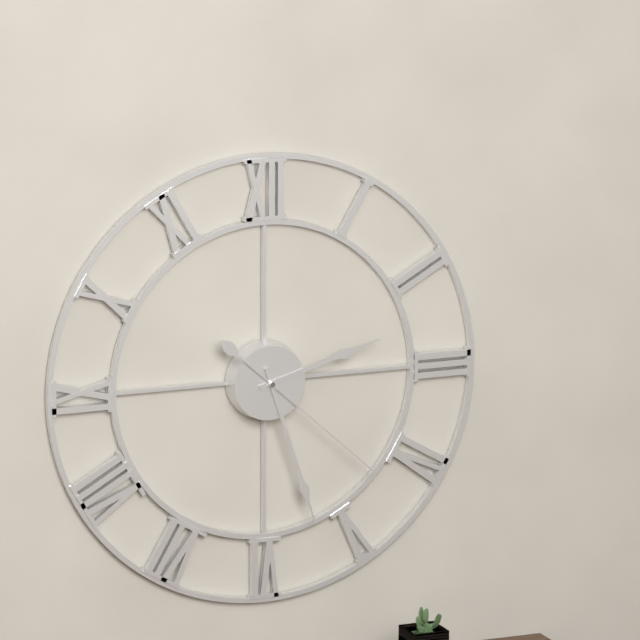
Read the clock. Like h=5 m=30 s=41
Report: h=2 m=27 s=22
